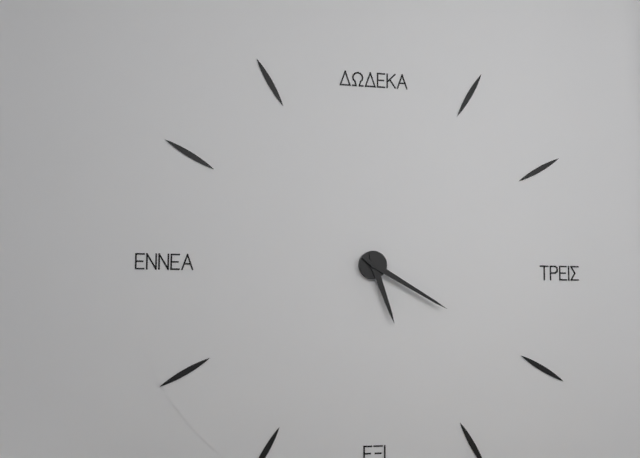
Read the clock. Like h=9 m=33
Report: h=5 m=20
